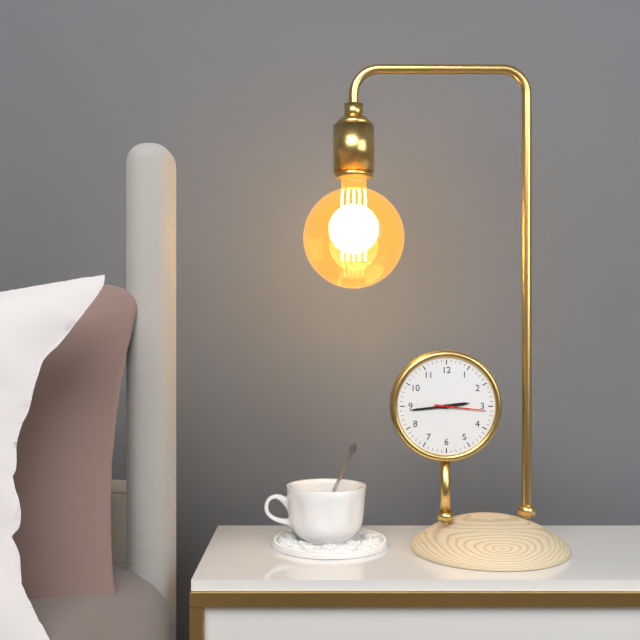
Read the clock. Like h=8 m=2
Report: h=2 m=44
